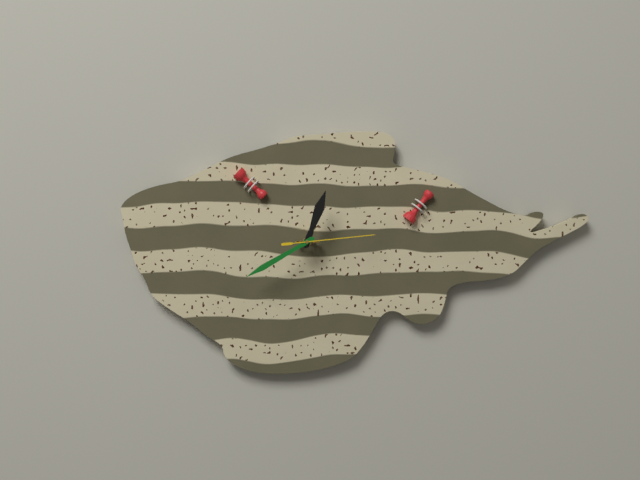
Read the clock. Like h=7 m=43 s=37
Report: h=12 m=40 s=14
